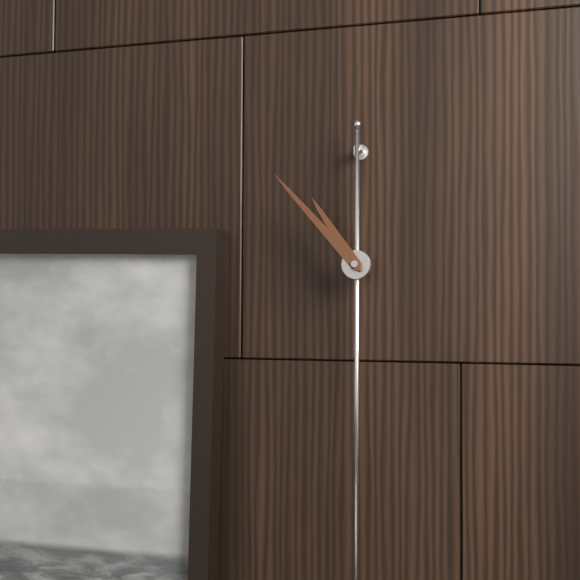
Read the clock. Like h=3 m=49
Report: h=10 m=53
